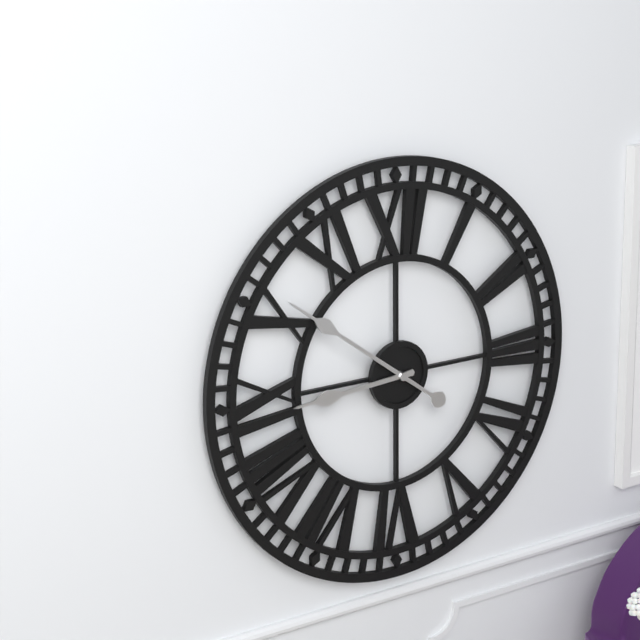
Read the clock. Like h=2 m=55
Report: h=8 m=51
